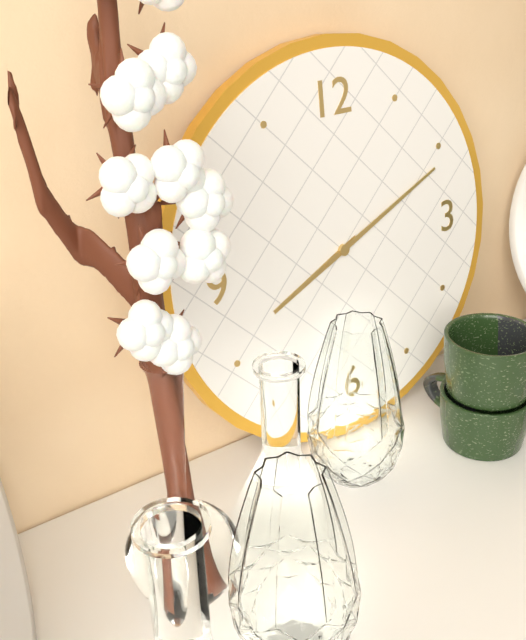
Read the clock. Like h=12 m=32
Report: h=8 m=11
